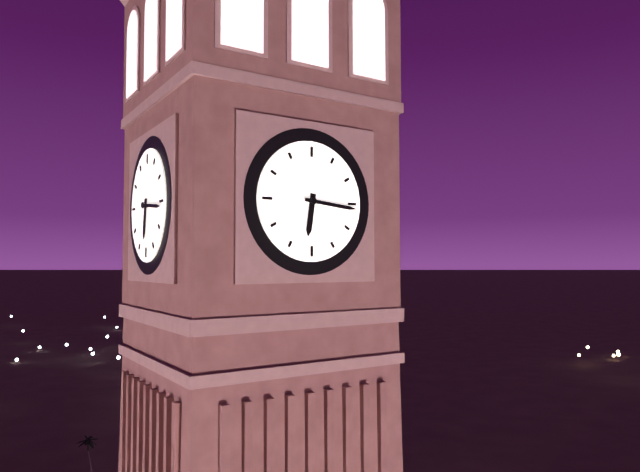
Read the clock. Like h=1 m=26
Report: h=6 m=16
